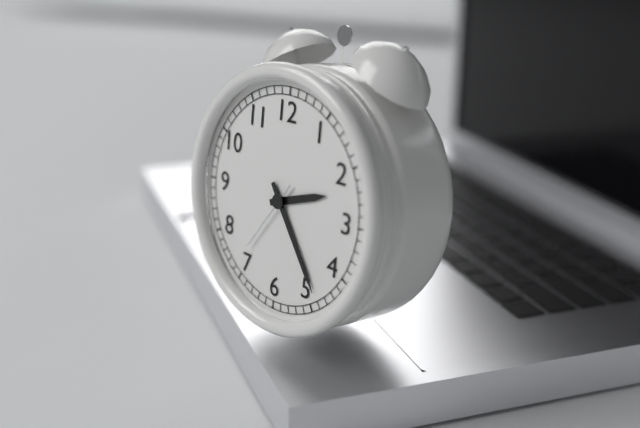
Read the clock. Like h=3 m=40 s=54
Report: h=2 m=24 s=36
